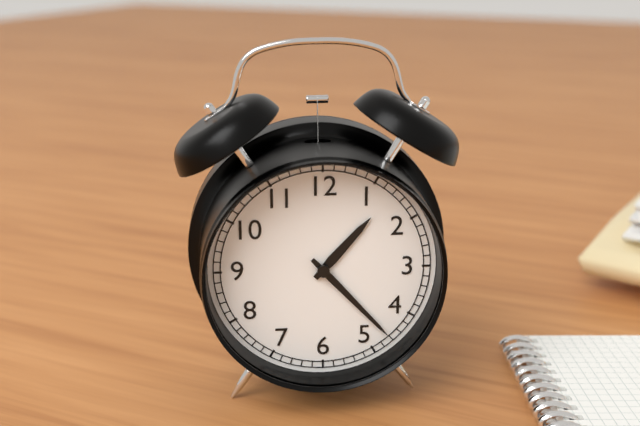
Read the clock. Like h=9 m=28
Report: h=1 m=23
